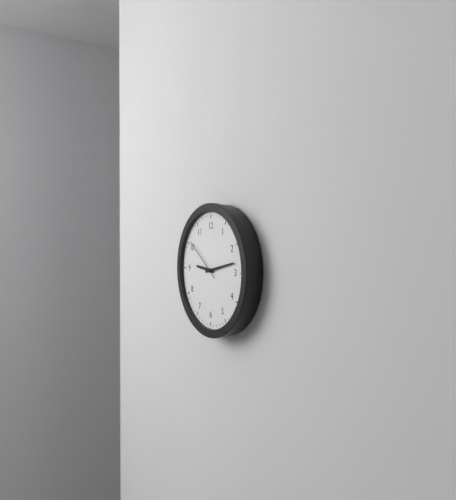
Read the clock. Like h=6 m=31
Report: h=9 m=13
